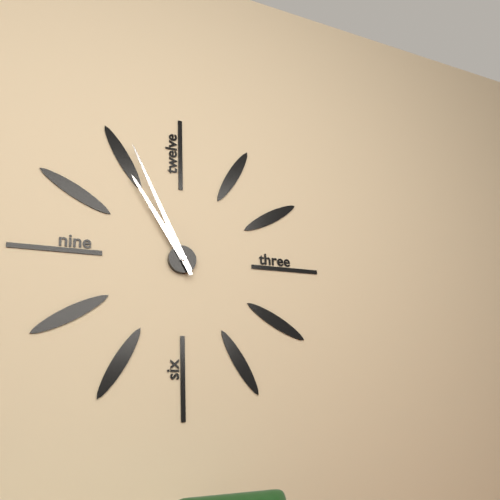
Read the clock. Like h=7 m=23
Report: h=10 m=56
